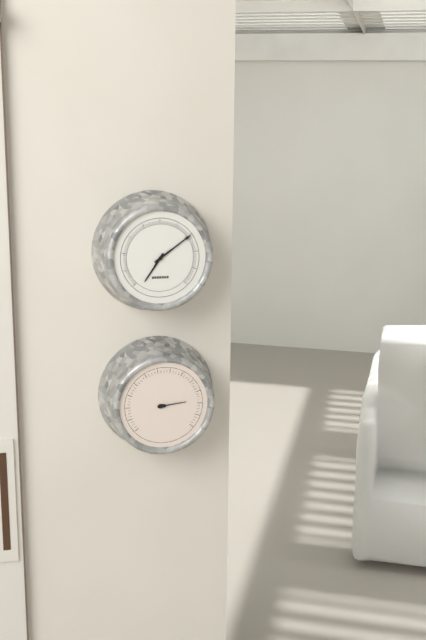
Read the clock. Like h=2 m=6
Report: h=7 m=9
